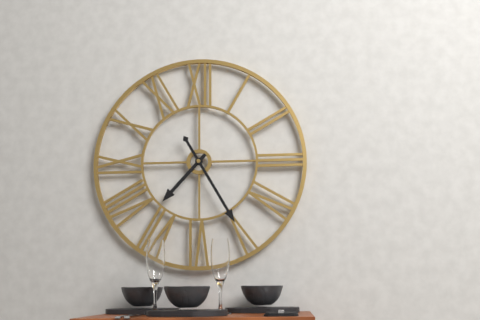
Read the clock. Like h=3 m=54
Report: h=7 m=25
